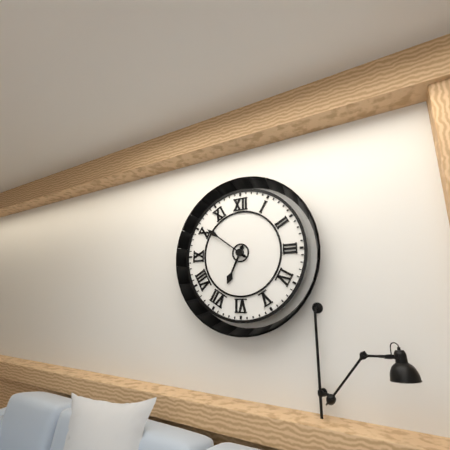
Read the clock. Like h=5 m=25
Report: h=6 m=51
